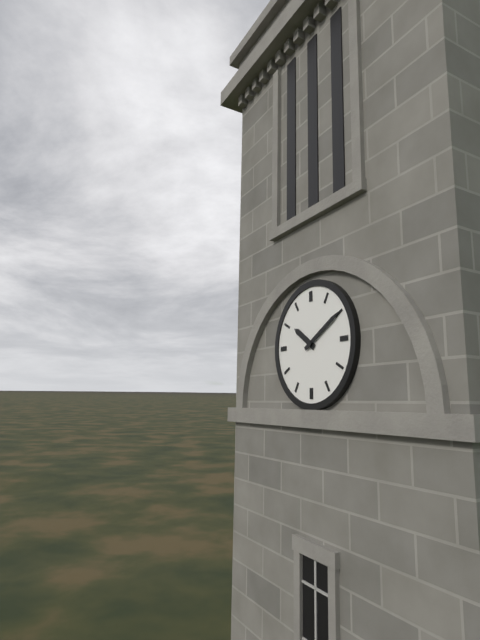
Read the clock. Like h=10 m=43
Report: h=10 m=10
